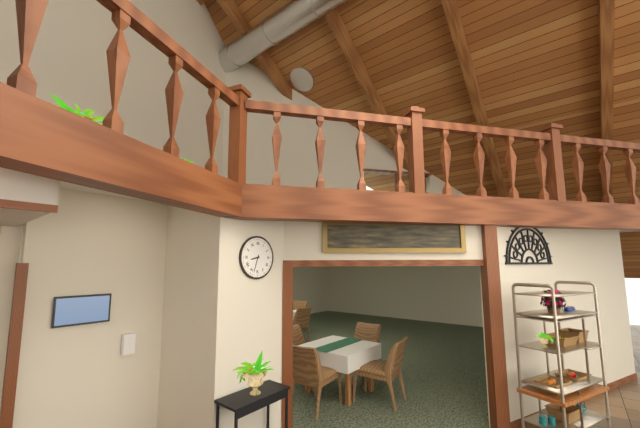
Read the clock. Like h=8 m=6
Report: h=8 m=33
